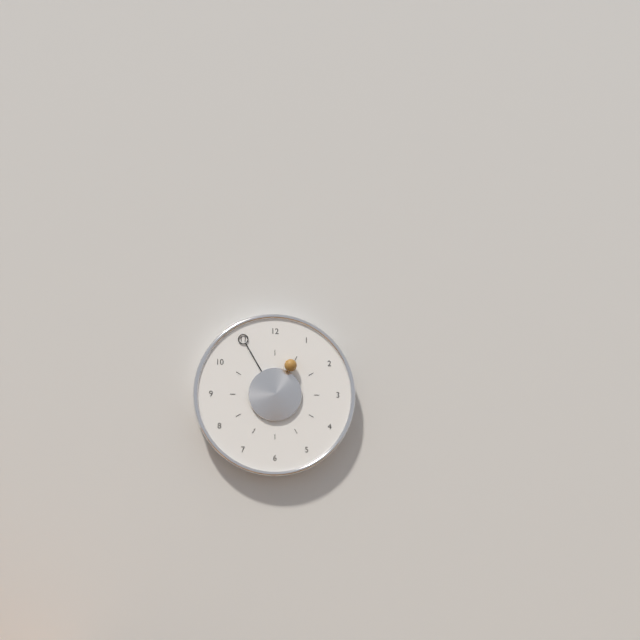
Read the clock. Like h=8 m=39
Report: h=12 m=55
